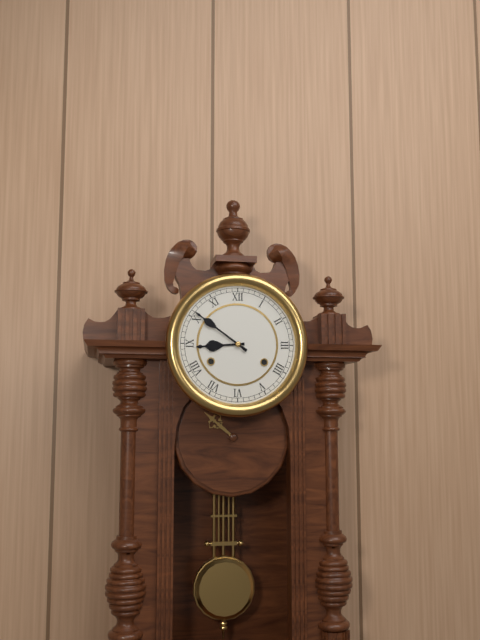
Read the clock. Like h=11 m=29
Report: h=8 m=51
